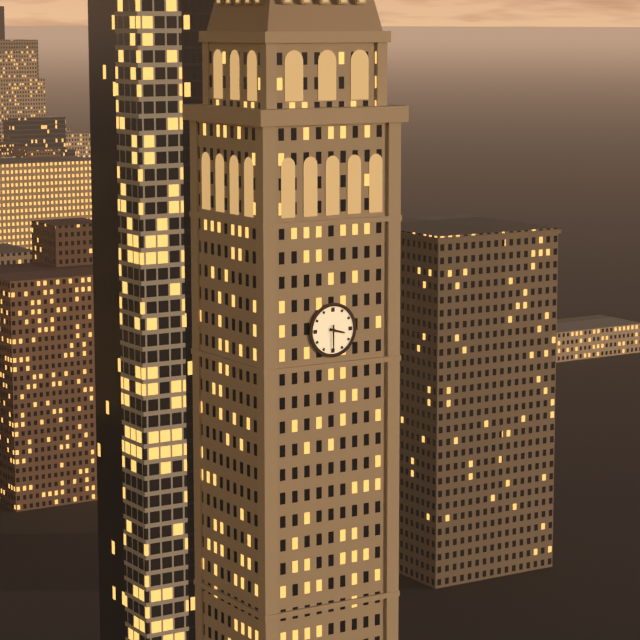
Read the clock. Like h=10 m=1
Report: h=3 m=30
